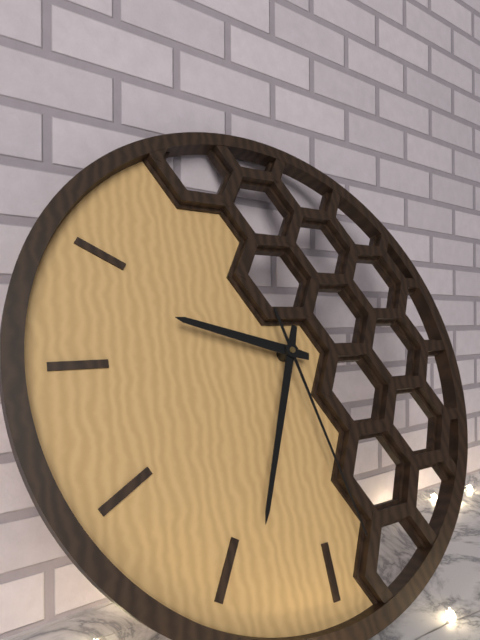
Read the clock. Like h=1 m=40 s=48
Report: h=9 m=34 s=28
